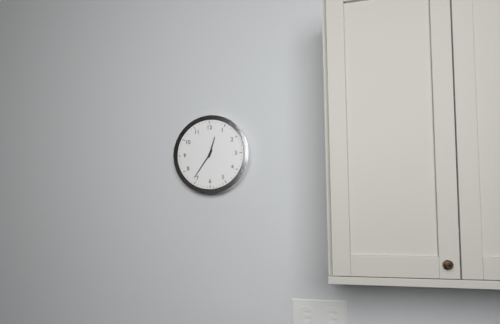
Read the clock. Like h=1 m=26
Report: h=12 m=36
